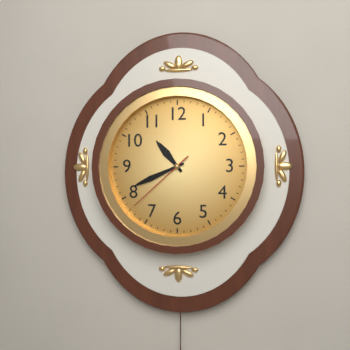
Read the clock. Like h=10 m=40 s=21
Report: h=10 m=41 s=38
